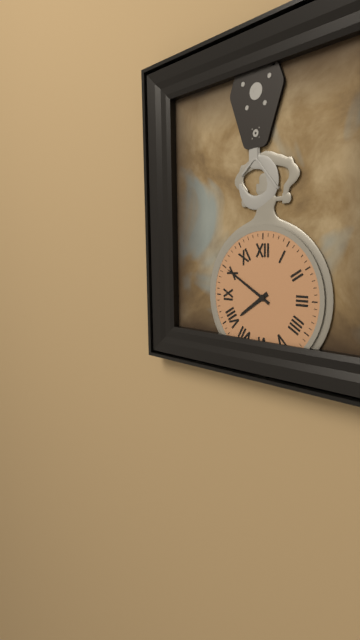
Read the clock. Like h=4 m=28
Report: h=7 m=50
